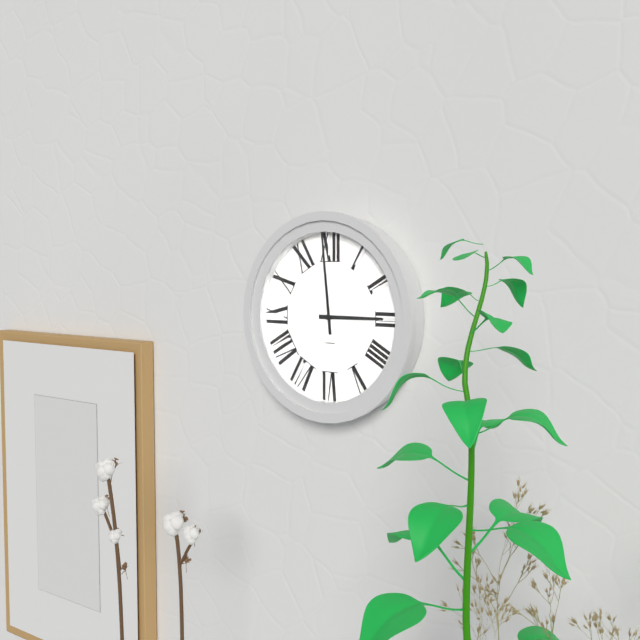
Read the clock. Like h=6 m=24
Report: h=2 m=59
